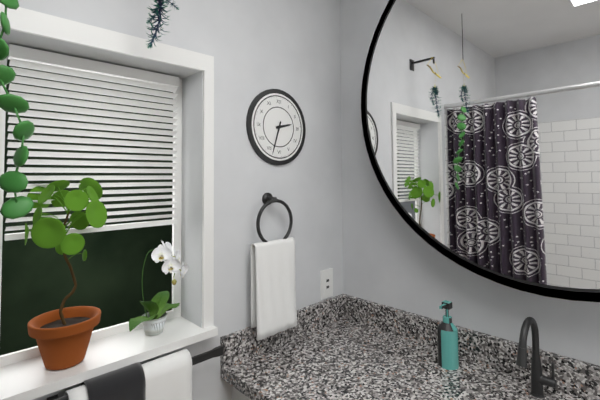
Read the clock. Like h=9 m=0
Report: h=2 m=33
